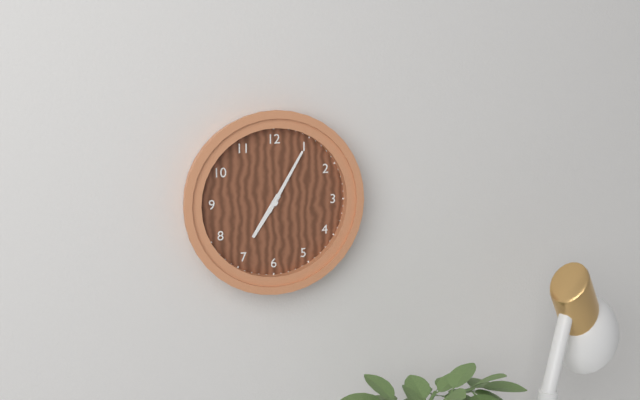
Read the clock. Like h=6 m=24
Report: h=7 m=5
